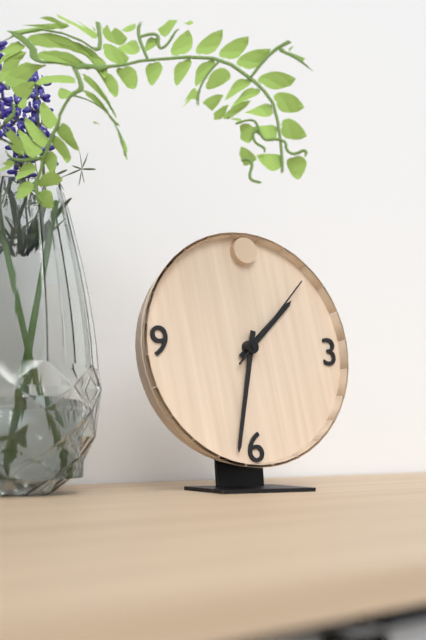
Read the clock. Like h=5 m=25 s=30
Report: h=1 m=32 s=7
